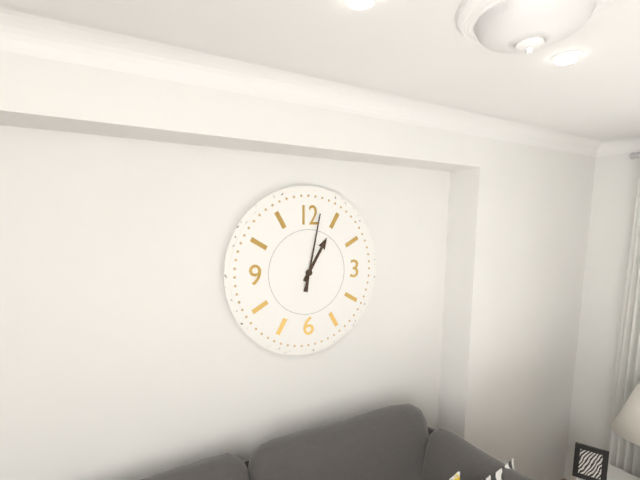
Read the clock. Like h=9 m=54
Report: h=1 m=2
